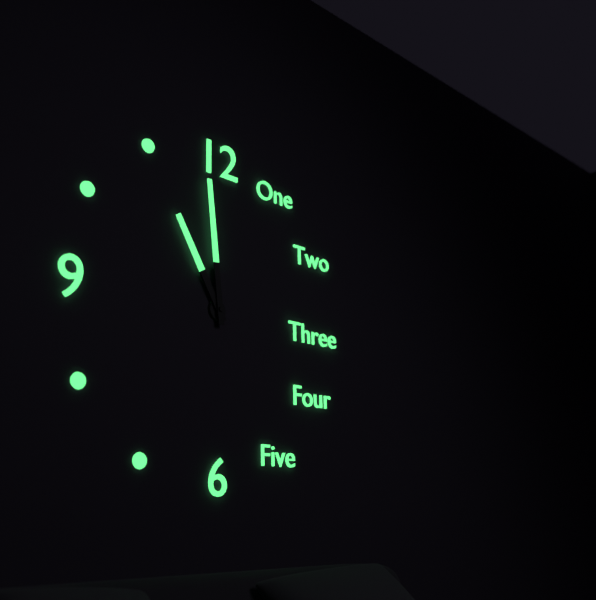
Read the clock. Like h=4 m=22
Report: h=10 m=59
